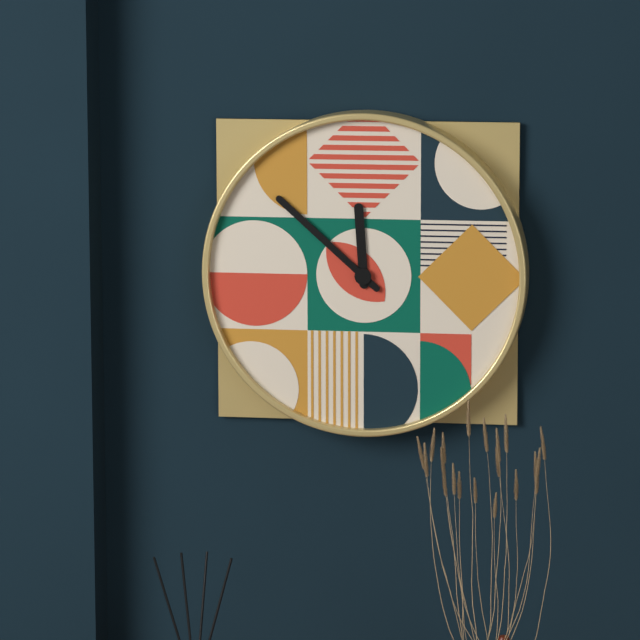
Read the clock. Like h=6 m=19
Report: h=11 m=52
